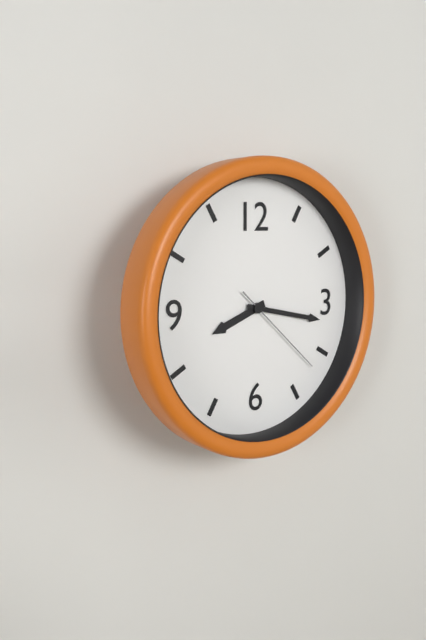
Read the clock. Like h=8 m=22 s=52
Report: h=8 m=17 s=22
